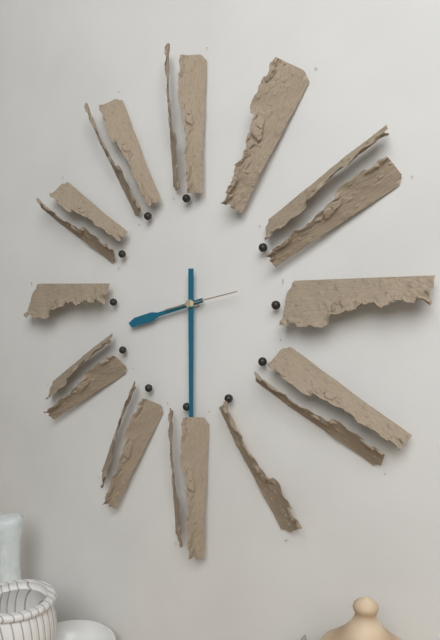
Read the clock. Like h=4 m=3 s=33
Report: h=8 m=30 s=13
